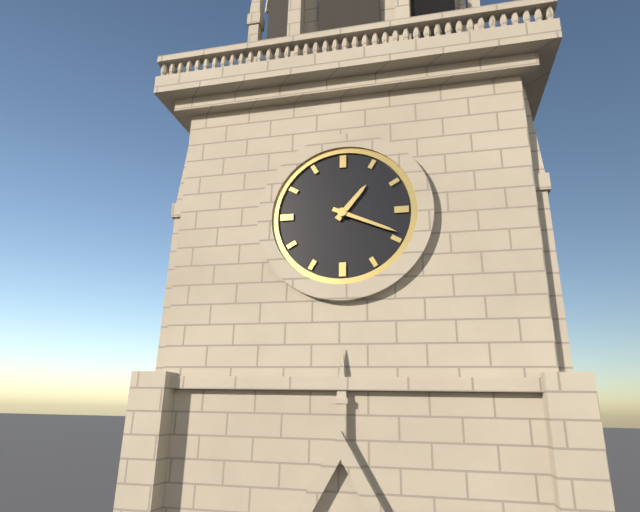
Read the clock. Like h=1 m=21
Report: h=1 m=19
